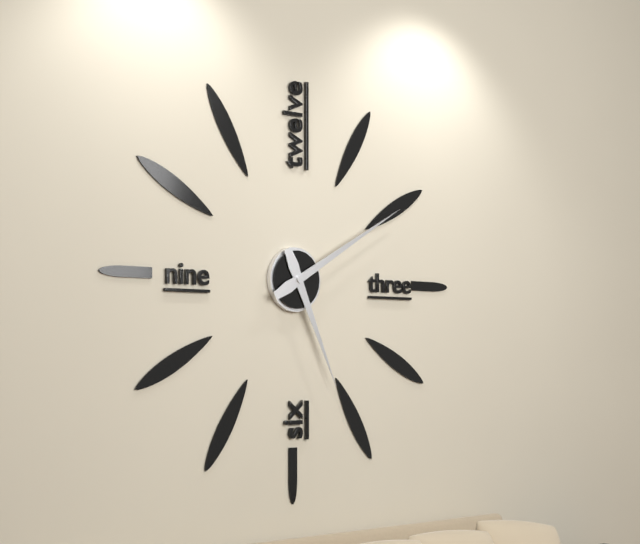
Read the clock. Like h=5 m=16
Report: h=5 m=10
